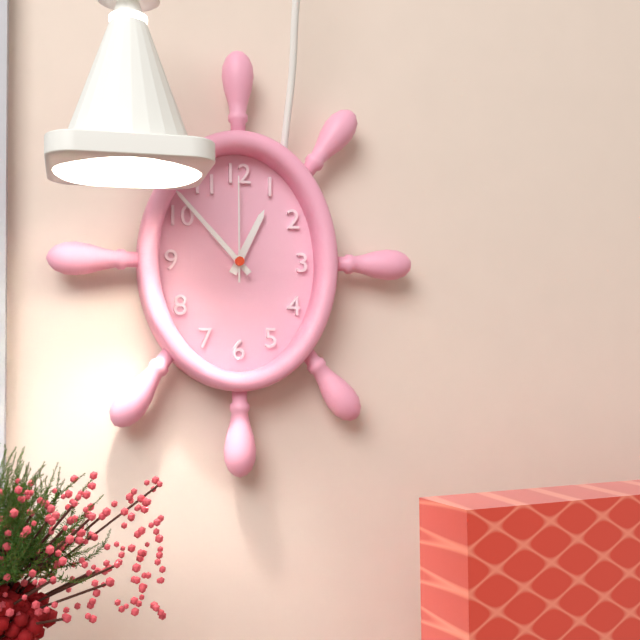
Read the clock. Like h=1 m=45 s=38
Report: h=12 m=53 s=0
